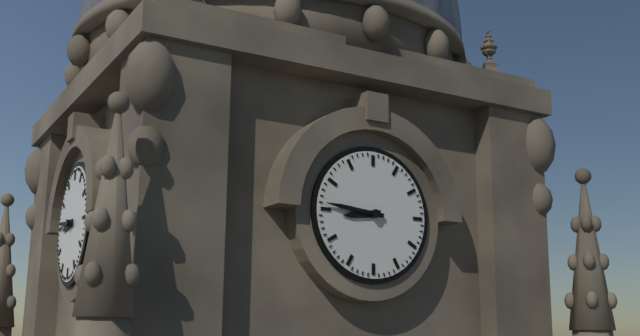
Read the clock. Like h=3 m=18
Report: h=8 m=46
